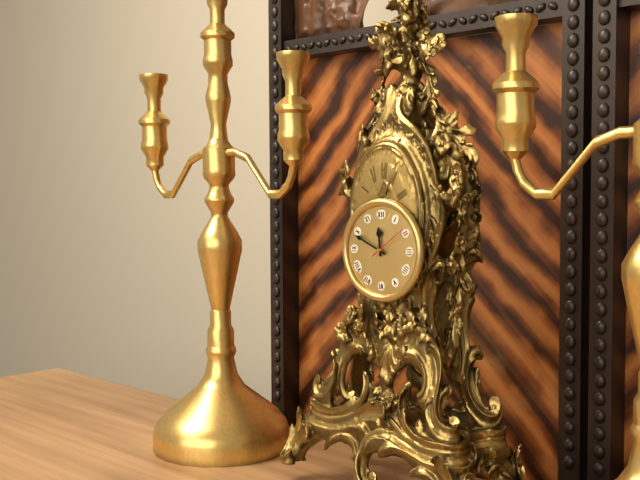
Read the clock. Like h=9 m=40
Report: h=11 m=49
